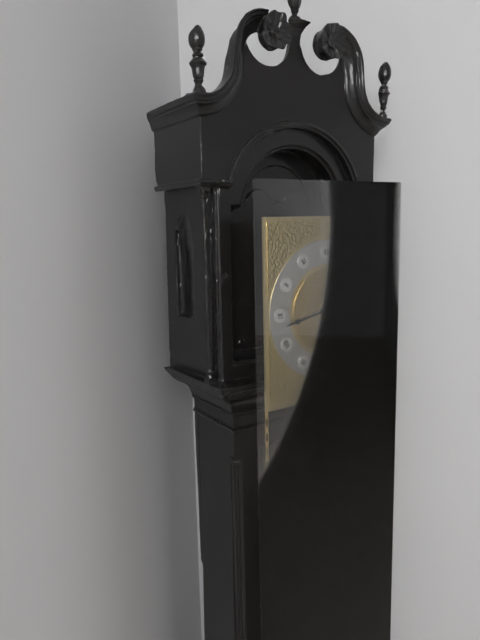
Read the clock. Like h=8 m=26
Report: h=2 m=43
